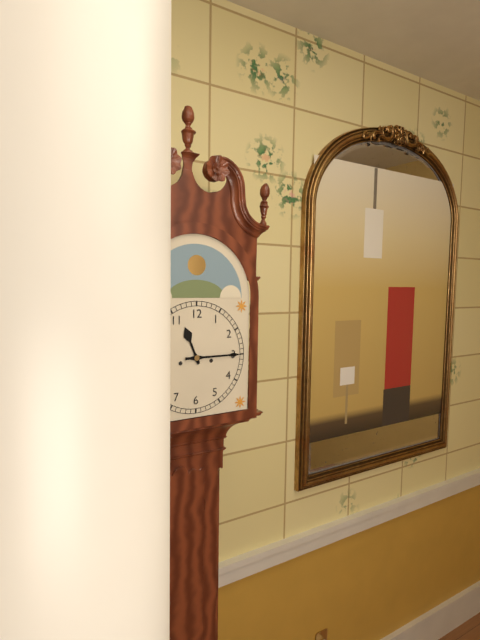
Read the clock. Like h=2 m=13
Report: h=11 m=15
